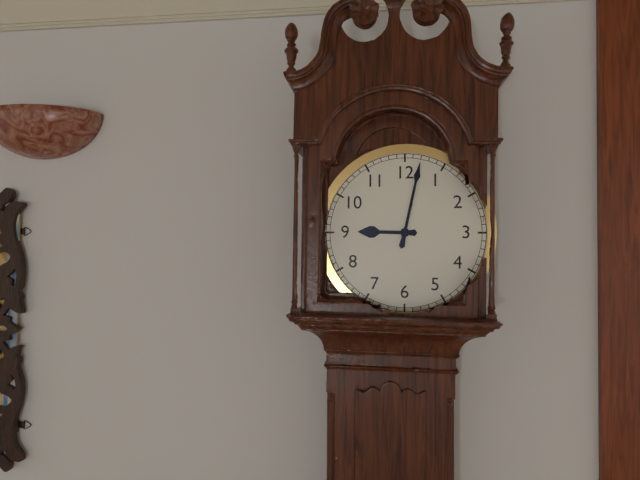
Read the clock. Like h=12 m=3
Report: h=9 m=2
